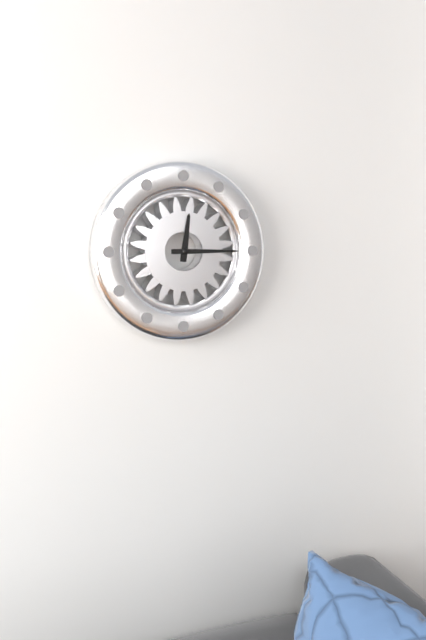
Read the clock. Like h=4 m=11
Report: h=12 m=15
